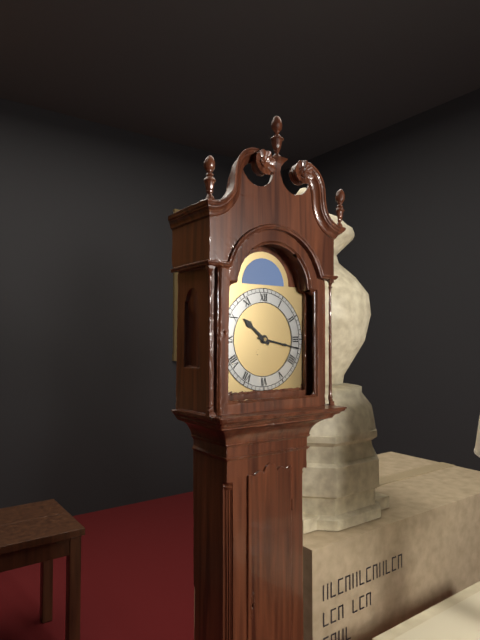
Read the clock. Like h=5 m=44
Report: h=10 m=17
